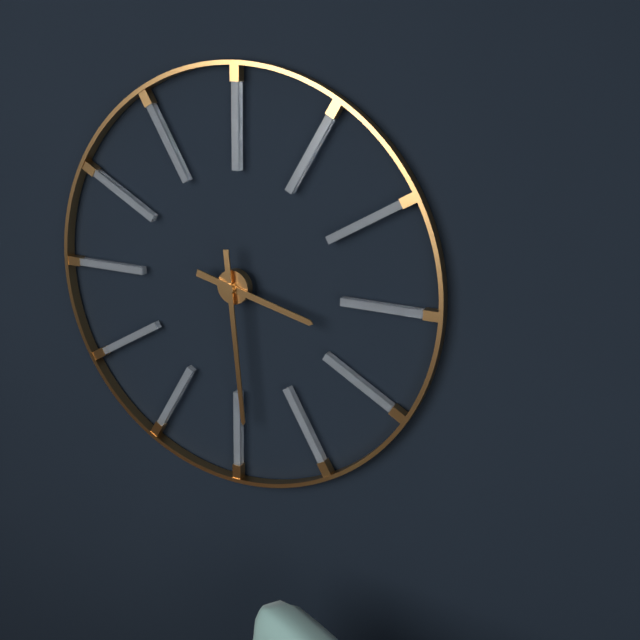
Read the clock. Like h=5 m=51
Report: h=3 m=29
